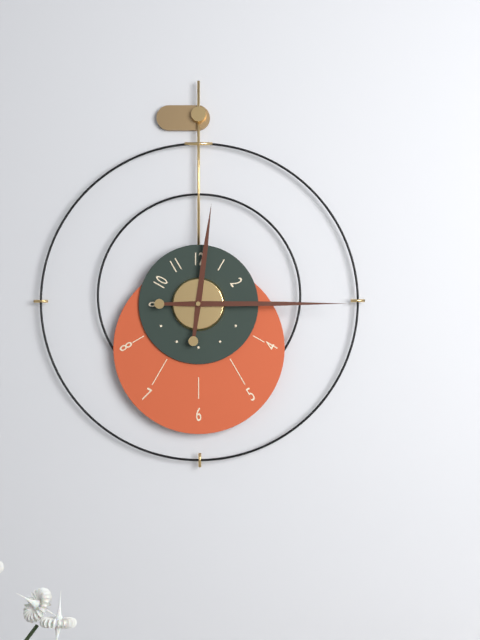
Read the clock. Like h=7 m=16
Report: h=12 m=15
